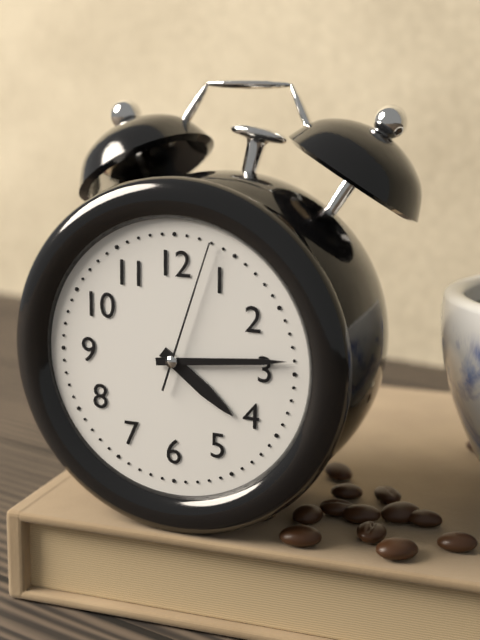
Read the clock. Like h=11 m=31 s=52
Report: h=4 m=14 s=3
